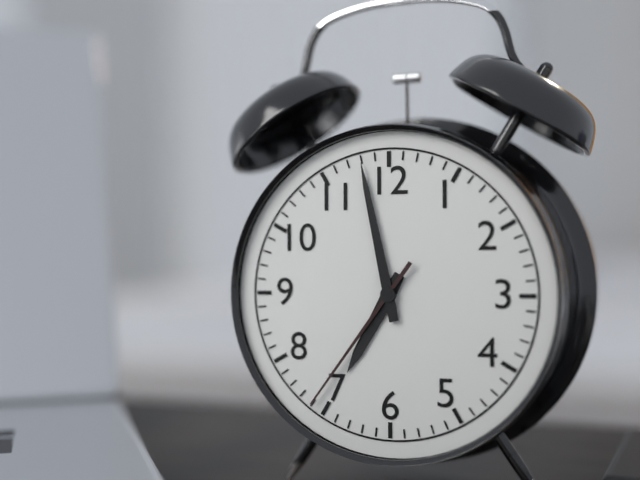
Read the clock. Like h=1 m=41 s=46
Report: h=6 m=58 s=36
